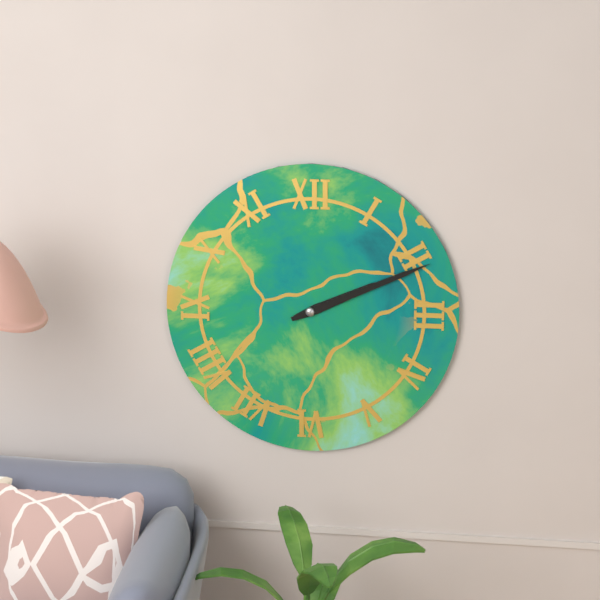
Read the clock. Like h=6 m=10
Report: h=2 m=11
